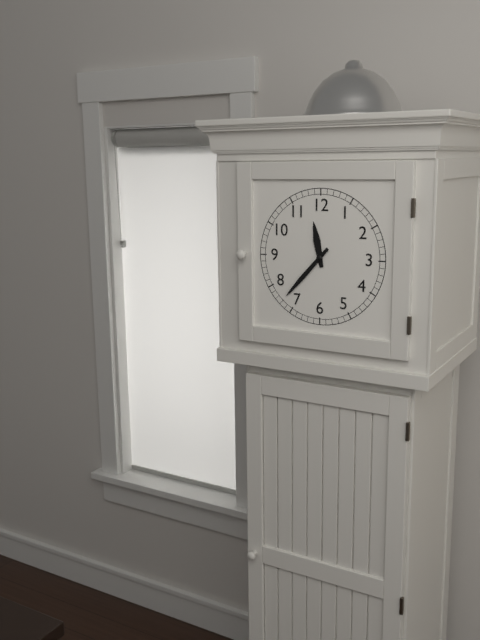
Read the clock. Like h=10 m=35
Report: h=11 m=37
